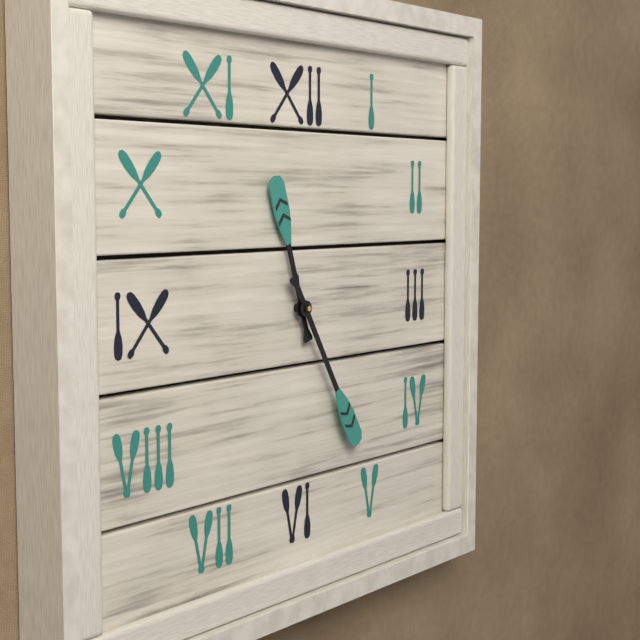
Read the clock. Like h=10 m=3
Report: h=11 m=25
